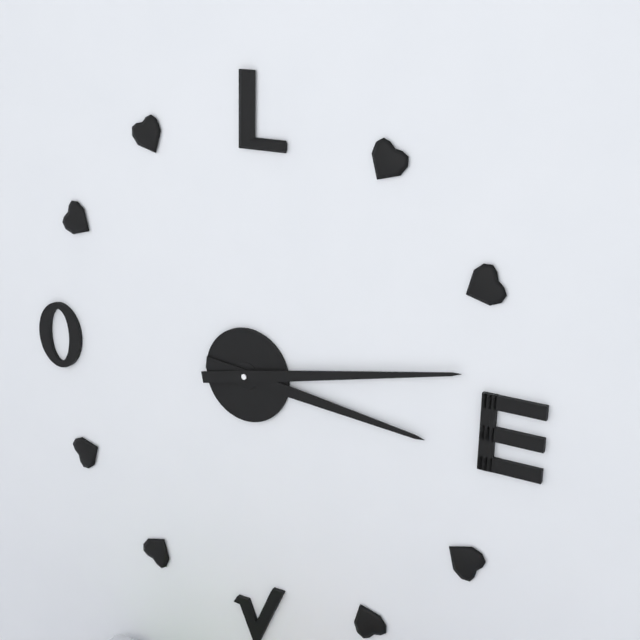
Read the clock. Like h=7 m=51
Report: h=3 m=13
